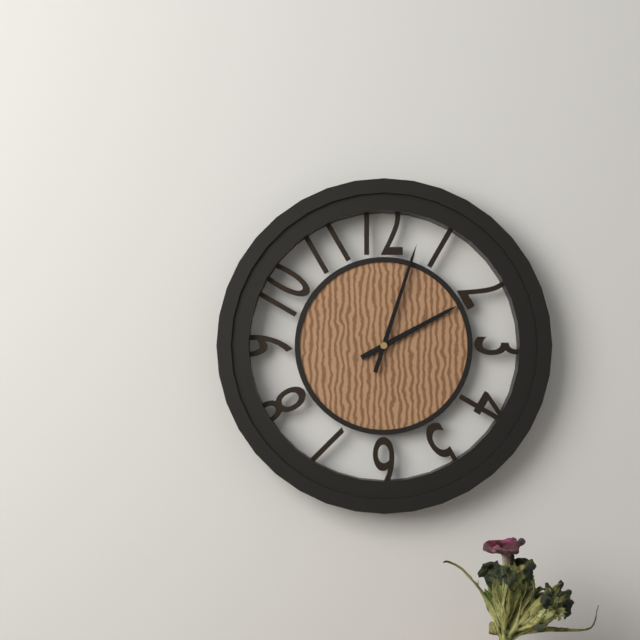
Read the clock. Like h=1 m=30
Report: h=2 m=3
